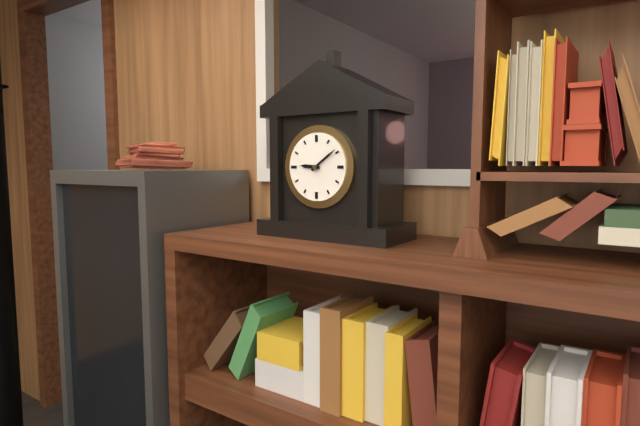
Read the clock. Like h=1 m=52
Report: h=9 m=9
